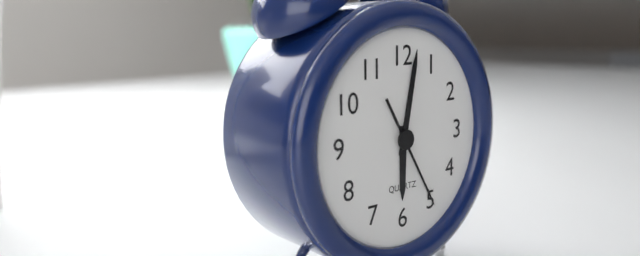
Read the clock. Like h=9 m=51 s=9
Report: h=6 m=2 s=25
